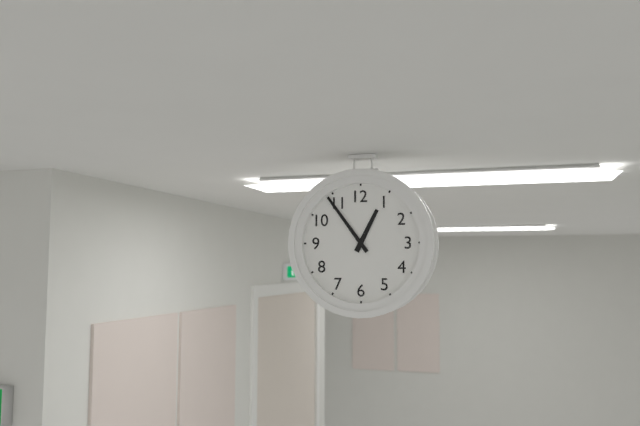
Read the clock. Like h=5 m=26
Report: h=12 m=54
